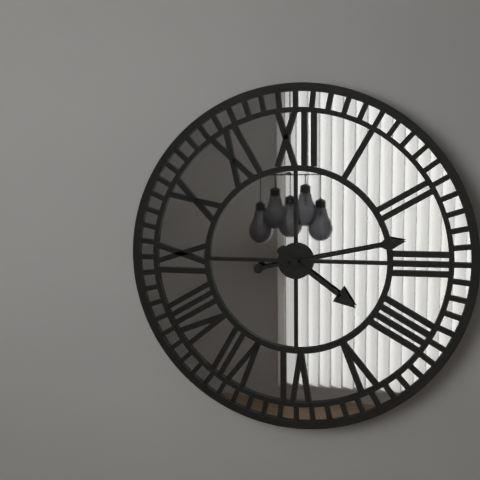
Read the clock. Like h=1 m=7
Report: h=4 m=13
